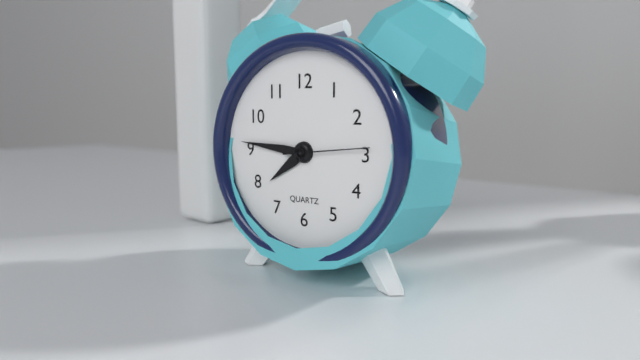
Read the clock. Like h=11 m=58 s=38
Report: h=7 m=46 s=14
